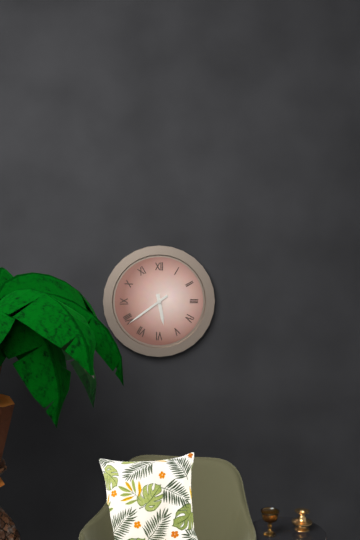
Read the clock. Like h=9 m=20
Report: h=5 m=39
